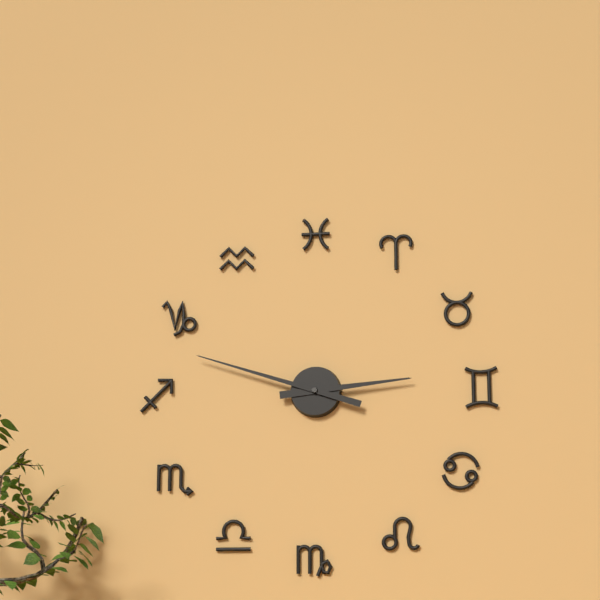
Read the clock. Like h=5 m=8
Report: h=2 m=48
